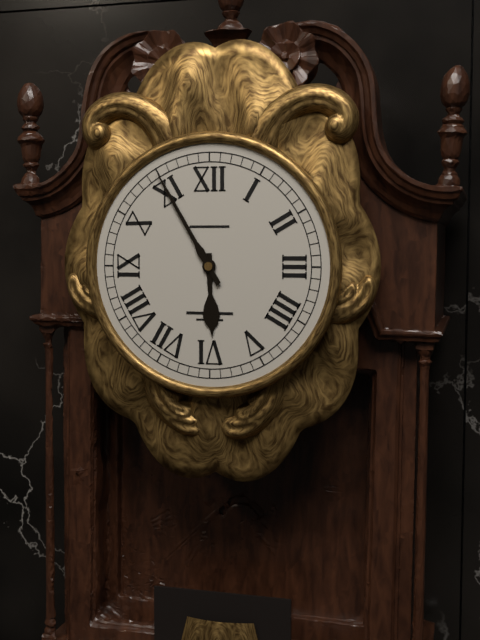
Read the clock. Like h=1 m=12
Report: h=5 m=55
